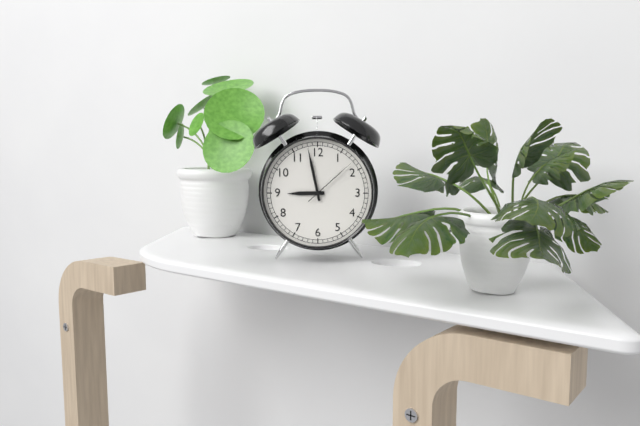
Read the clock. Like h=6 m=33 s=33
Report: h=8 m=58 s=8
